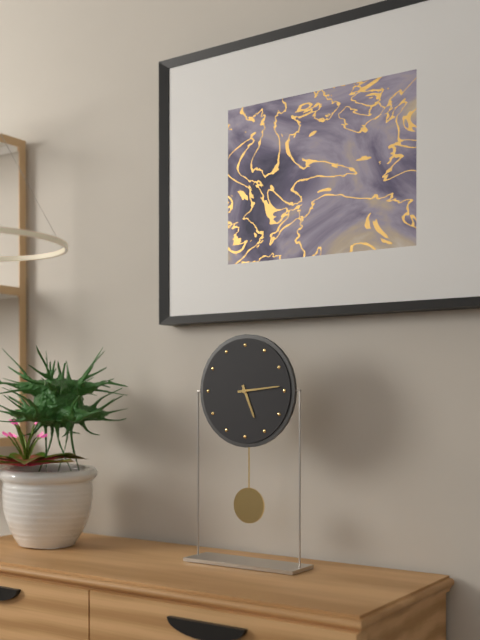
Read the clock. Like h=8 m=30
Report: h=5 m=14
